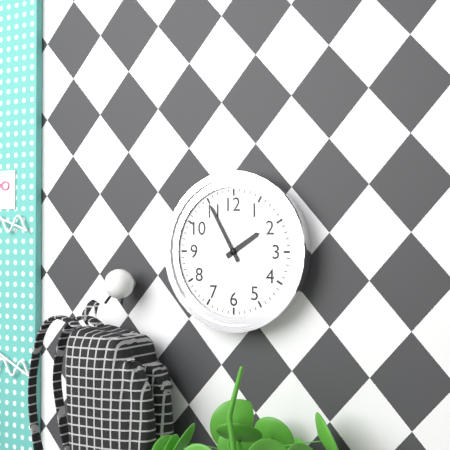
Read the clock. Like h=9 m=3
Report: h=1 m=55
